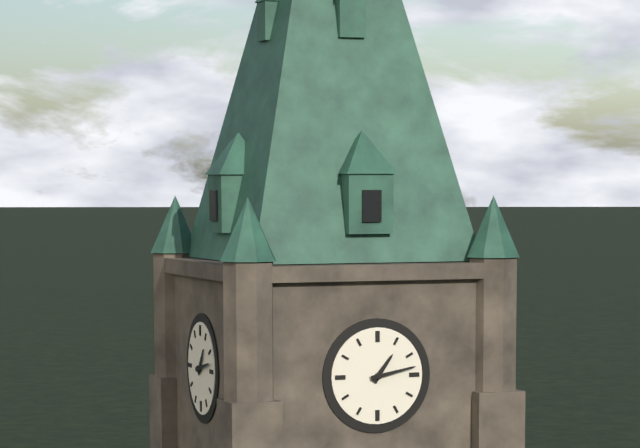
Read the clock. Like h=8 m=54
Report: h=1 m=13
